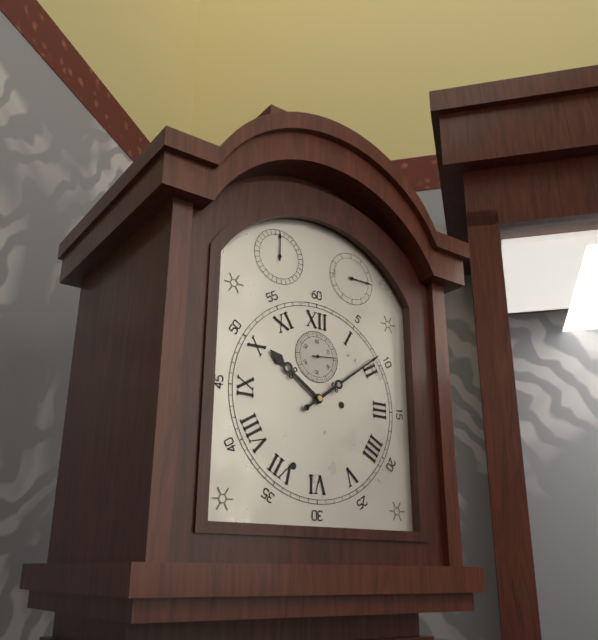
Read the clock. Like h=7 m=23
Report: h=10 m=9
